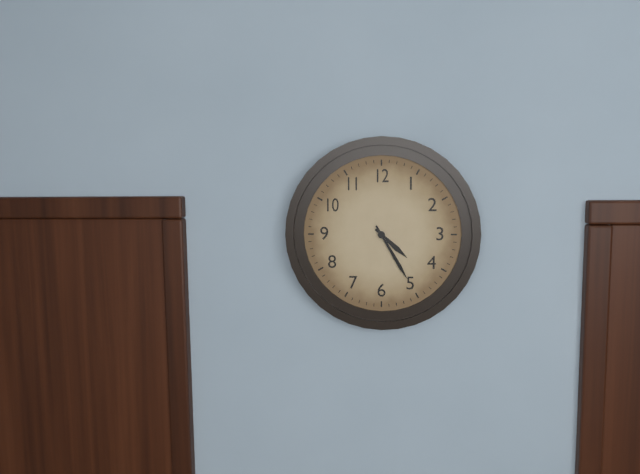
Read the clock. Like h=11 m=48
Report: h=4 m=25
